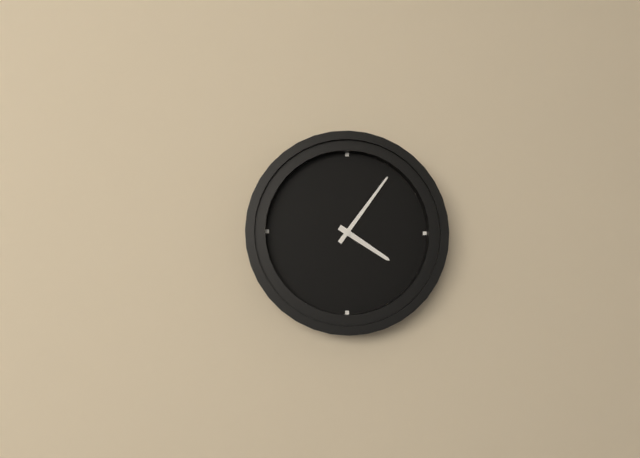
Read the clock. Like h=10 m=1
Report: h=4 m=6
